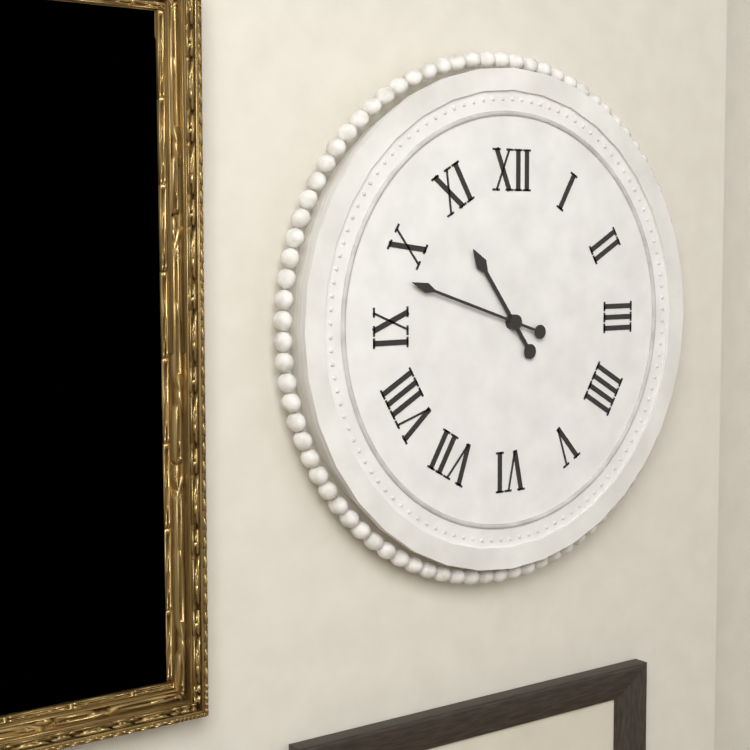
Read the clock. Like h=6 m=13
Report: h=10 m=48
